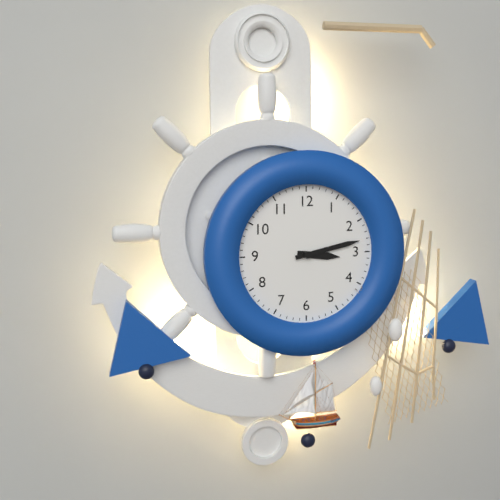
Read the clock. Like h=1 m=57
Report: h=3 m=13
